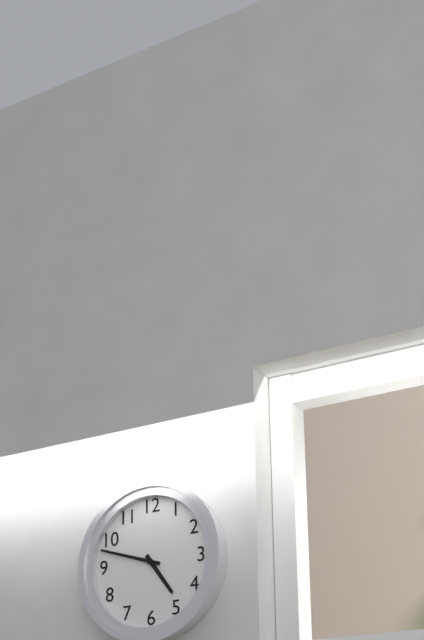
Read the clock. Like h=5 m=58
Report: h=4 m=48
